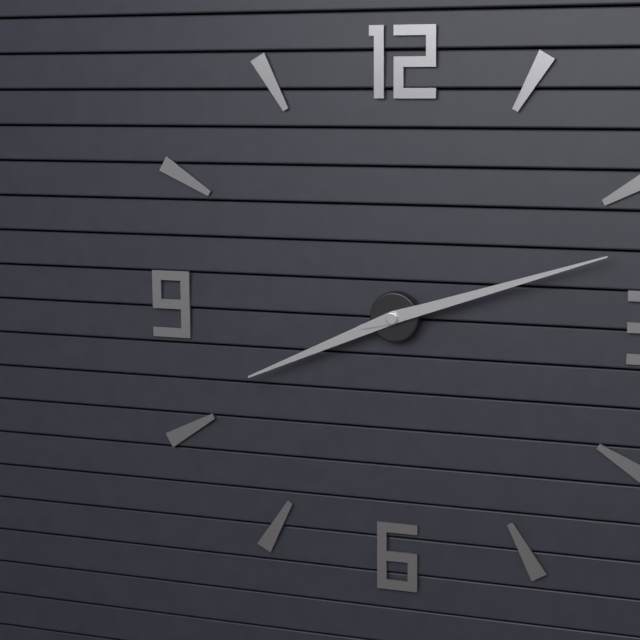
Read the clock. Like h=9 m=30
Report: h=8 m=12
